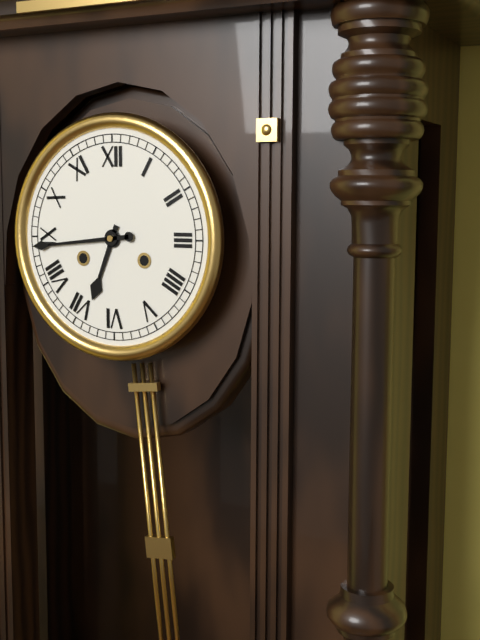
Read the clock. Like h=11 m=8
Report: h=6 m=44
